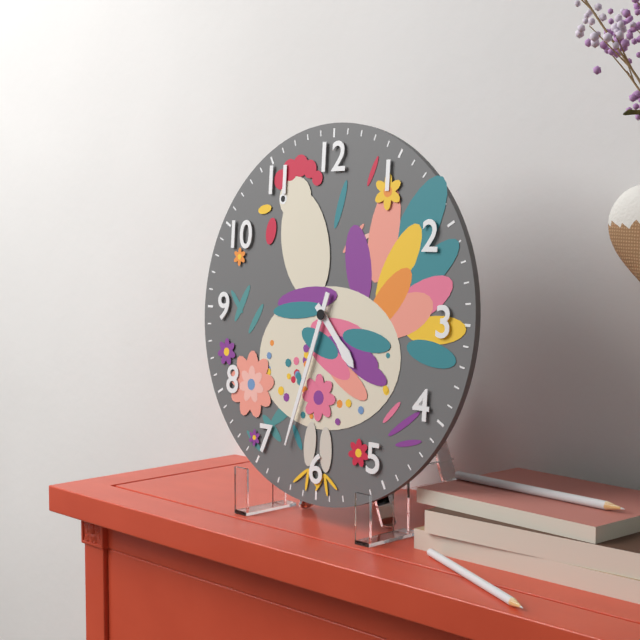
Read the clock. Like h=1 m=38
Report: h=4 m=33
